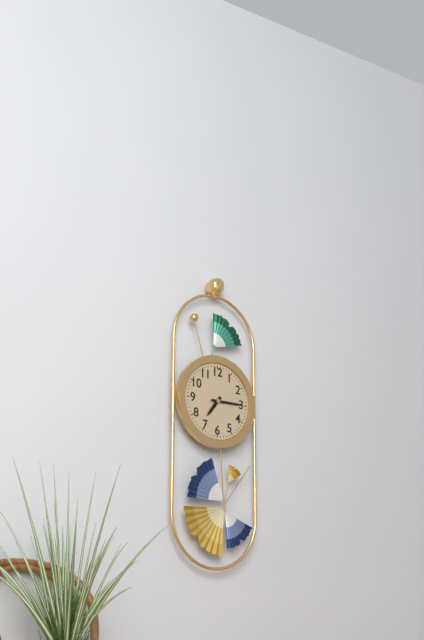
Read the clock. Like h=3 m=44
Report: h=7 m=15
